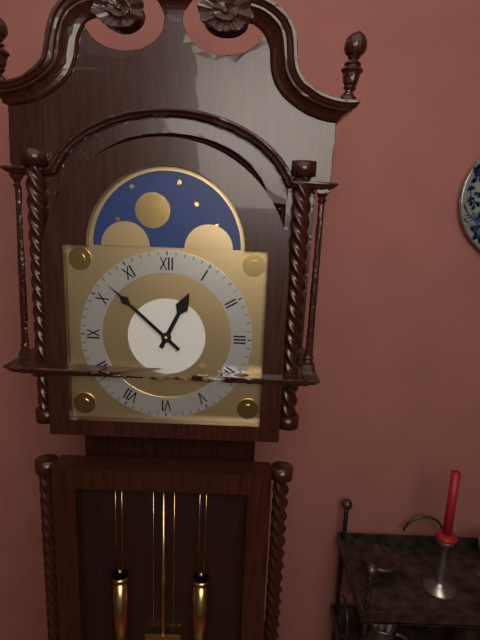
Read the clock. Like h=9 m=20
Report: h=12 m=52
